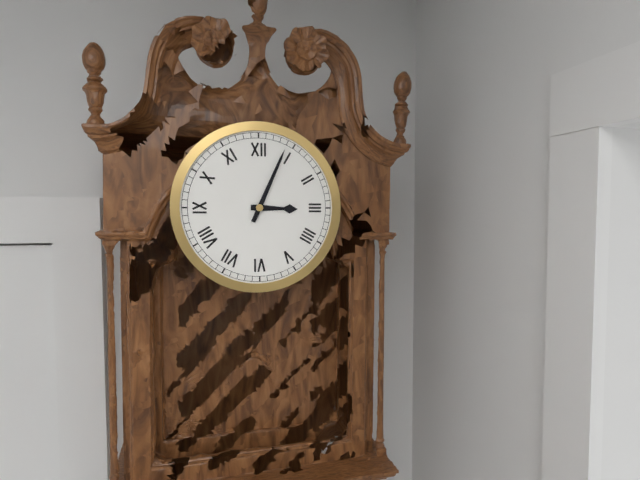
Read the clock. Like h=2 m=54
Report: h=3 m=4
